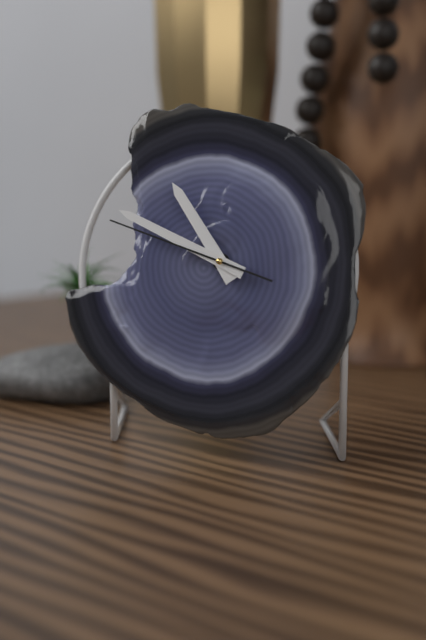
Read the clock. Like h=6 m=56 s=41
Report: h=10 m=49 s=48
